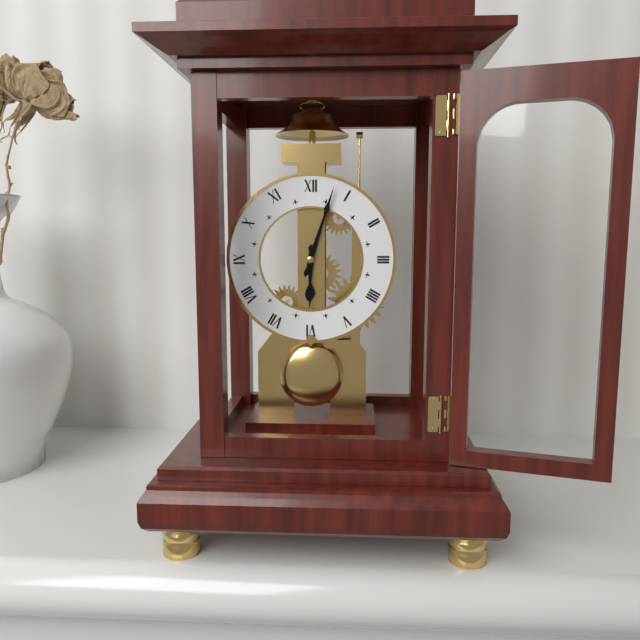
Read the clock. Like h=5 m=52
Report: h=6 m=3
